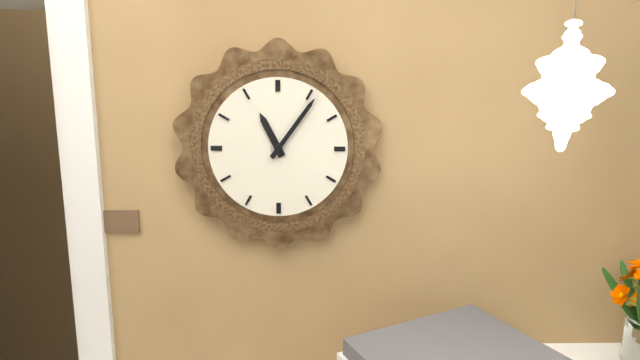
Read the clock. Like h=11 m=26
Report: h=11 m=6
